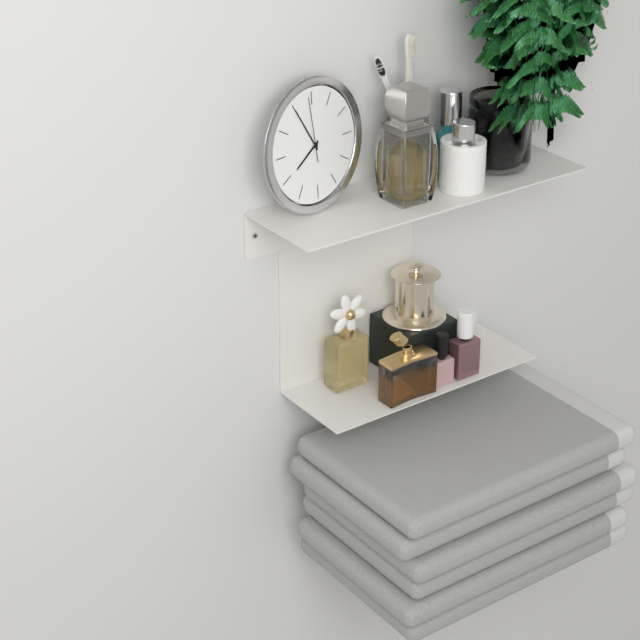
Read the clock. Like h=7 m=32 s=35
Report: h=7 m=55 s=59
